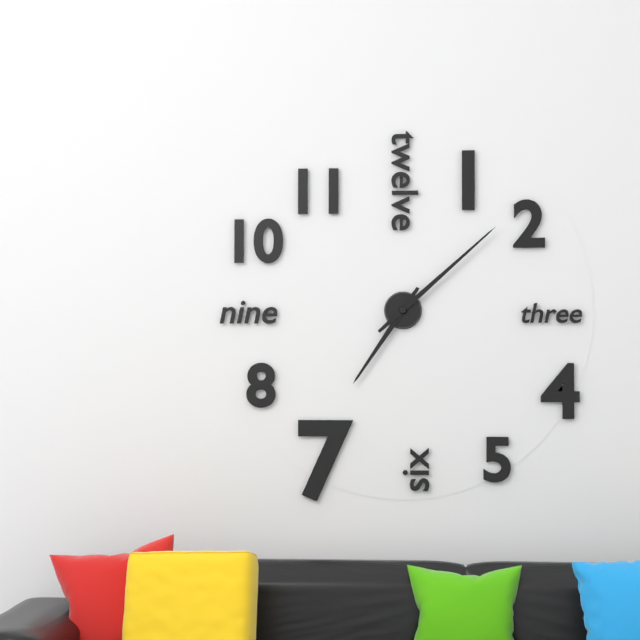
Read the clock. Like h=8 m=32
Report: h=7 m=8
